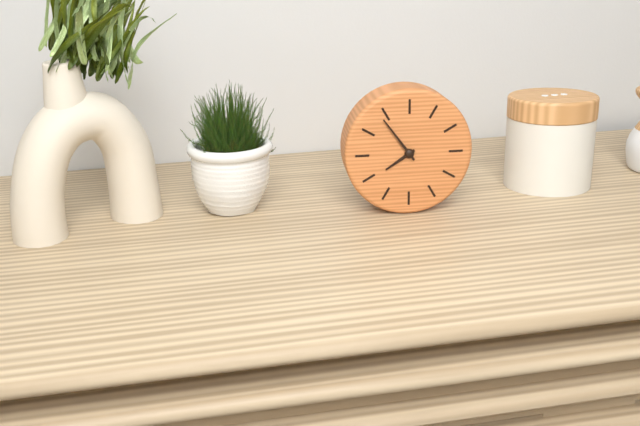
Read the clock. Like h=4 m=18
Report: h=7 m=54
